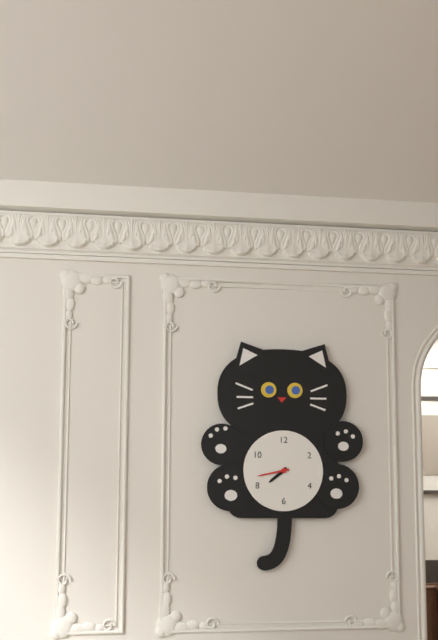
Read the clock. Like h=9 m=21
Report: h=7 m=43
